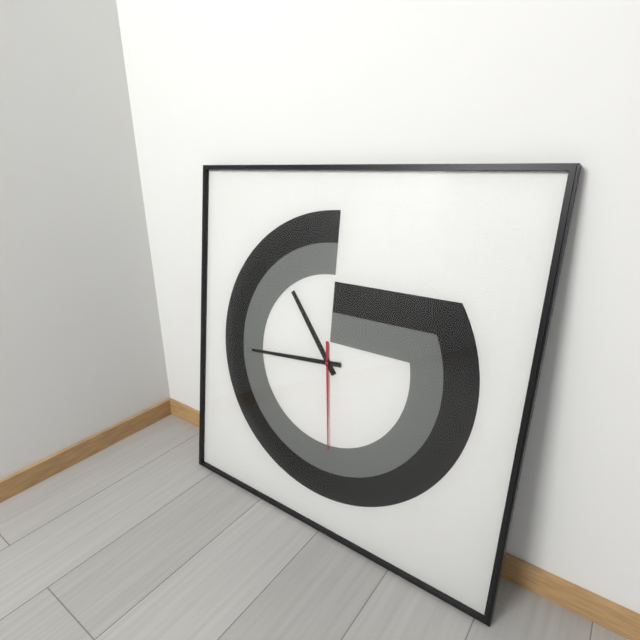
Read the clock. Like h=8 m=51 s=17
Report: h=10 m=44 s=29
